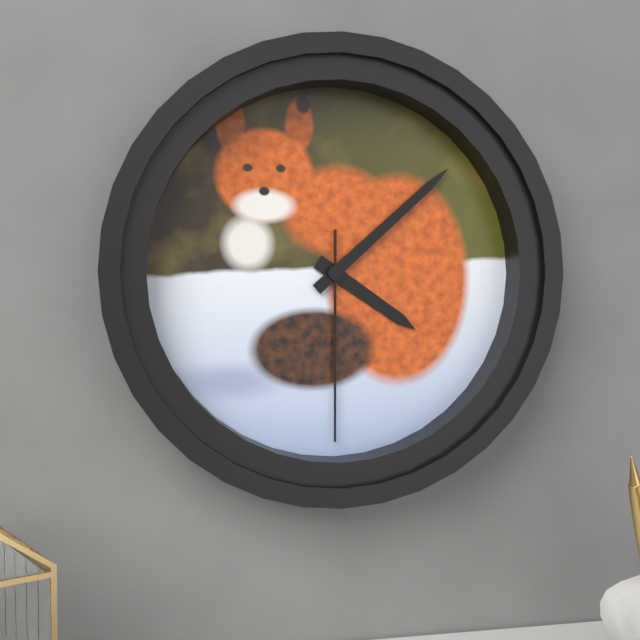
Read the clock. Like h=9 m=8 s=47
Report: h=4 m=8 s=30
